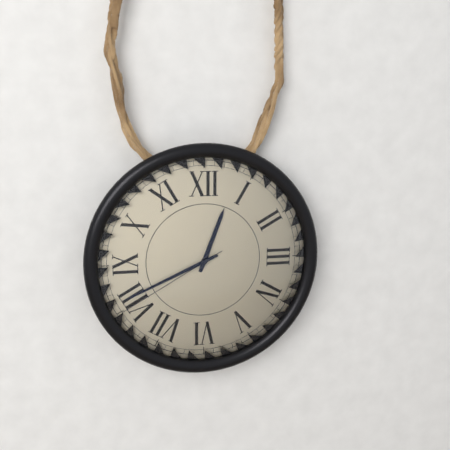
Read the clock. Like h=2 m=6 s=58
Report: h=12 m=41 s=40
